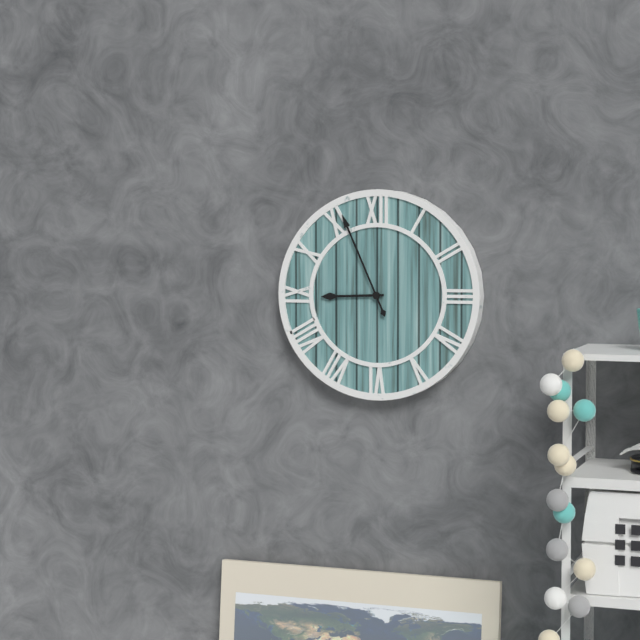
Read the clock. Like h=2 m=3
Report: h=8 m=56
